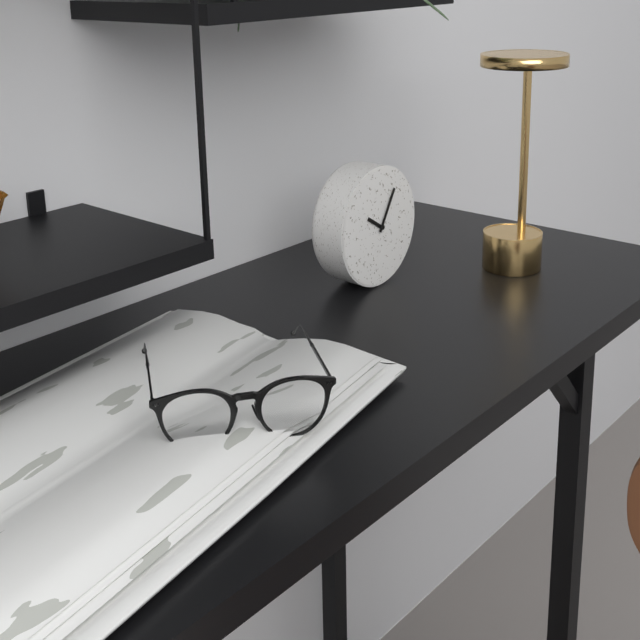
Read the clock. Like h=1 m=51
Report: h=10 m=5
